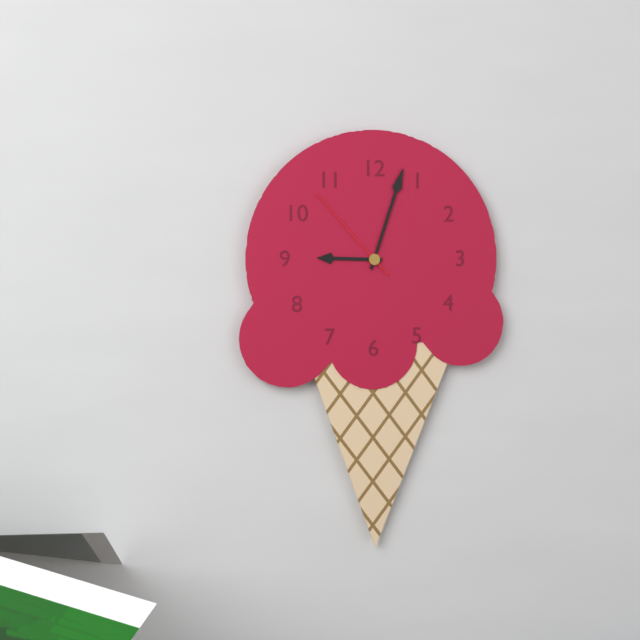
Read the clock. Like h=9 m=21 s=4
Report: h=9 m=3 s=53
